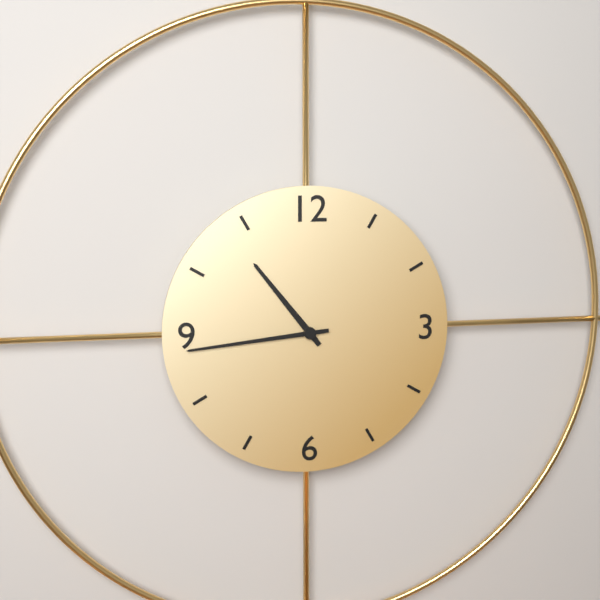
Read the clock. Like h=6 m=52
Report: h=10 m=44
